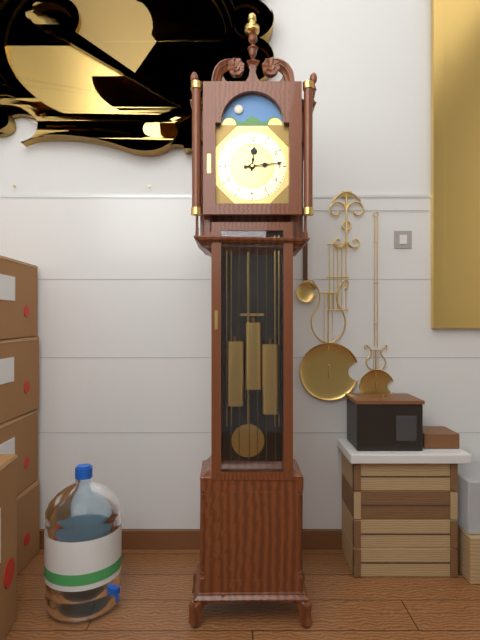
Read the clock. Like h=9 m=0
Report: h=12 m=14
